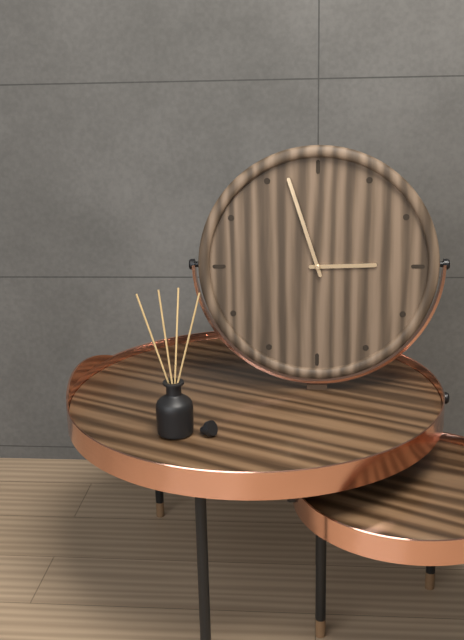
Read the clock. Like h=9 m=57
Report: h=2 m=57
